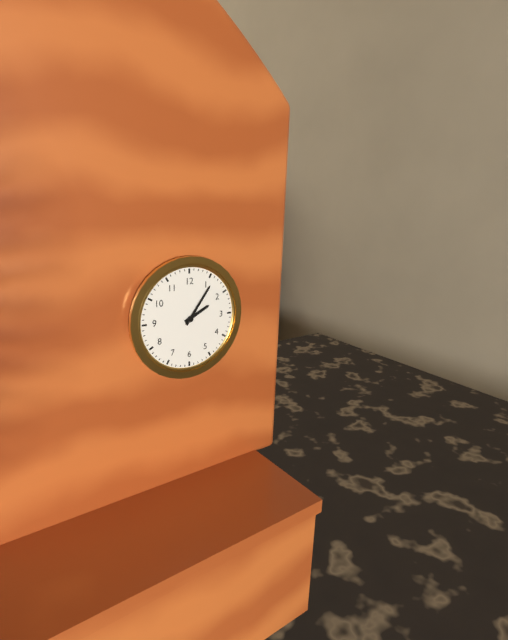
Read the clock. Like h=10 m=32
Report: h=2 m=6
